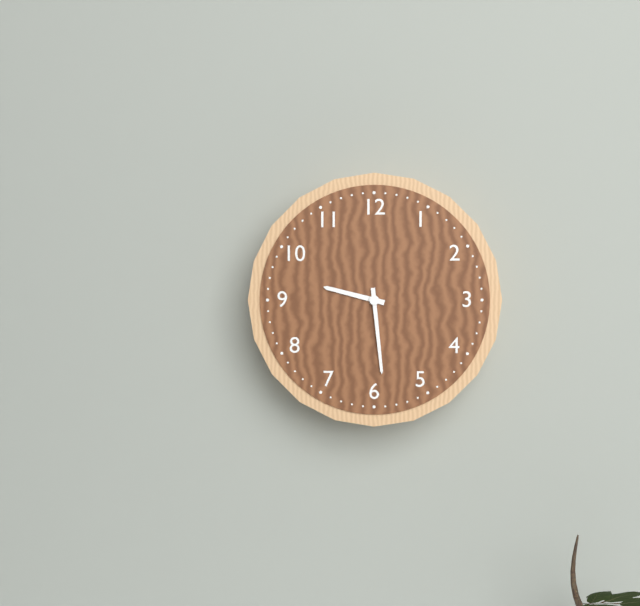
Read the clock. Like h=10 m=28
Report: h=9 m=29
